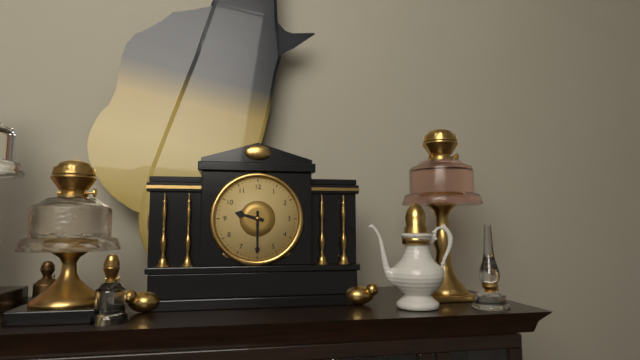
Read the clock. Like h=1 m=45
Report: h=9 m=30
